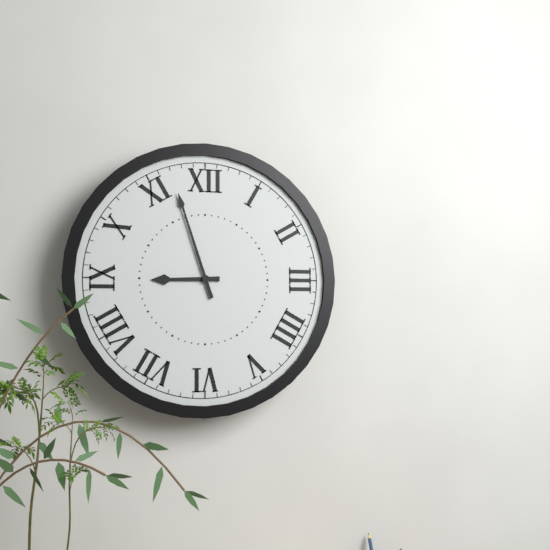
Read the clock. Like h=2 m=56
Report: h=8 m=57
